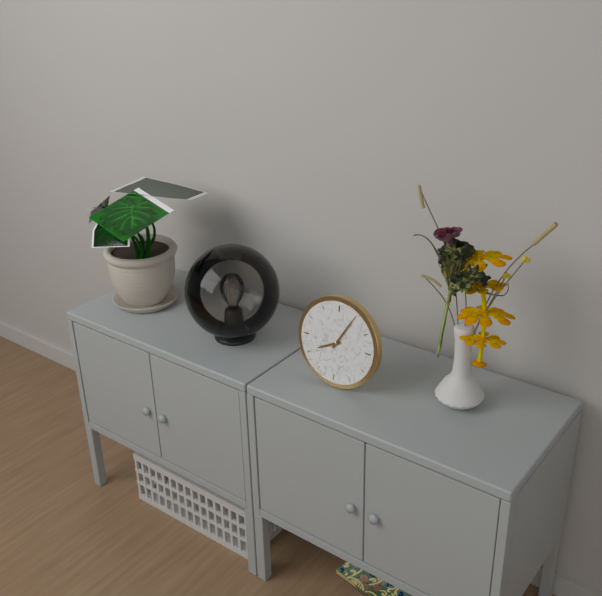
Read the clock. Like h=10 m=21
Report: h=8 m=5
